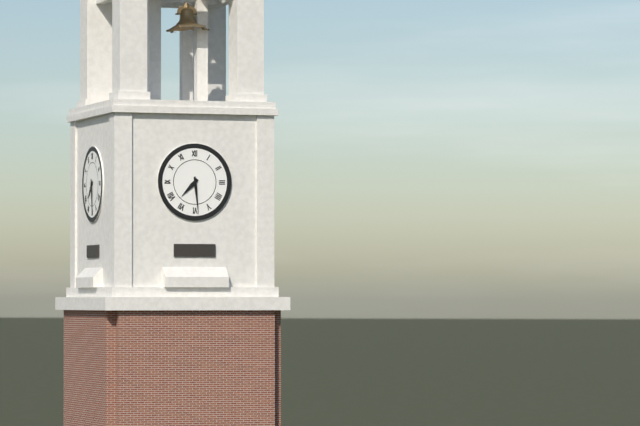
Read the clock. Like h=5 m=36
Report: h=7 m=29
